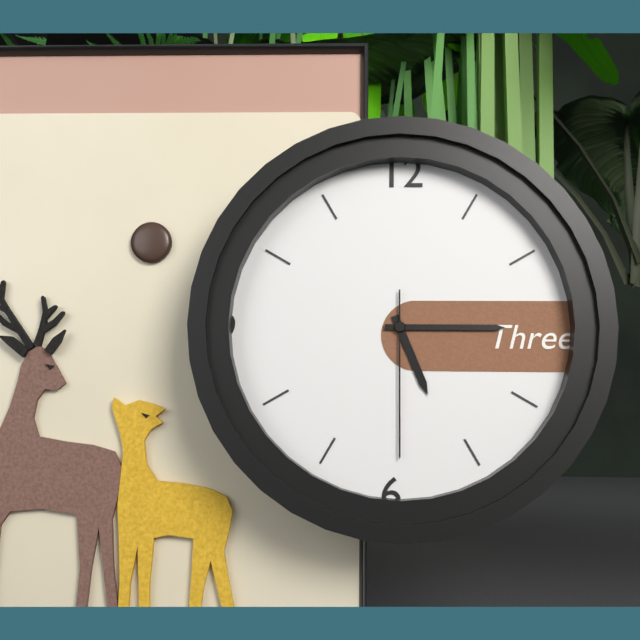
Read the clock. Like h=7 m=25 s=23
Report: h=5 m=15 s=30
